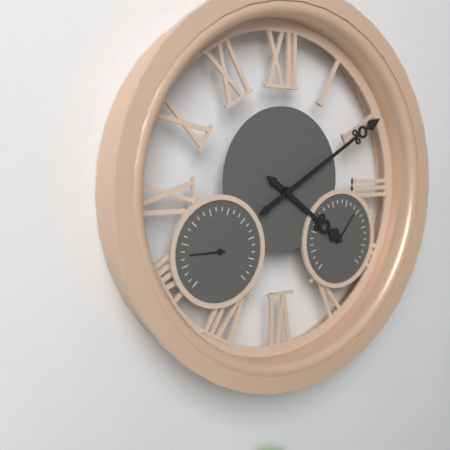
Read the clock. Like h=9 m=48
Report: h=4 m=10
